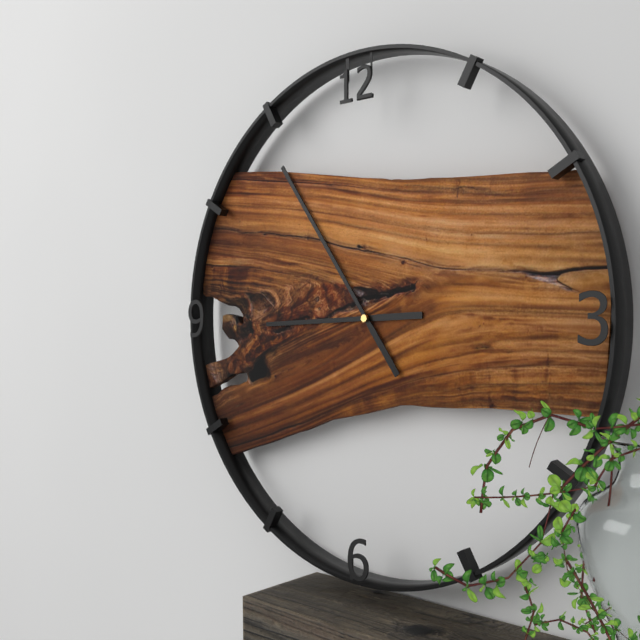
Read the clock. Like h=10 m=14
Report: h=8 m=54
